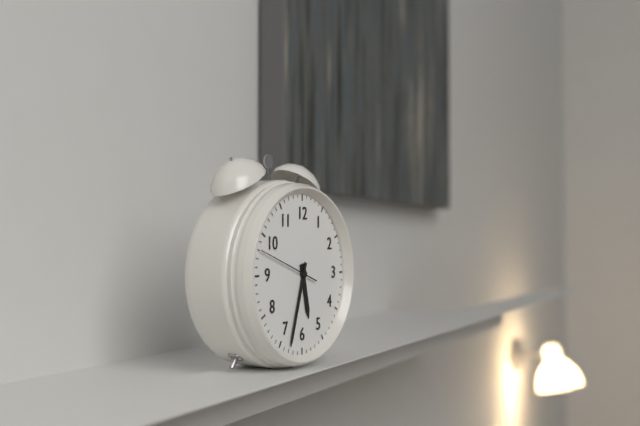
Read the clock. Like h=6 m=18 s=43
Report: h=5 m=33 s=48
